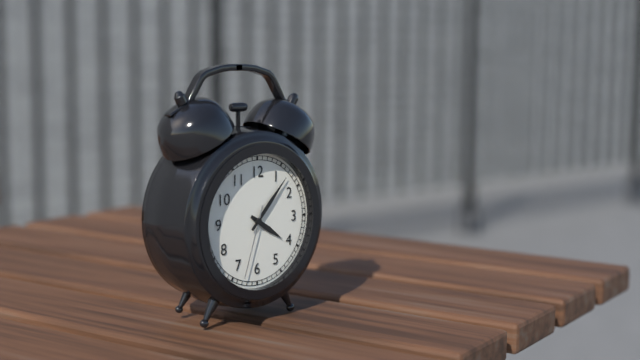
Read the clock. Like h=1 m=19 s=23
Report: h=4 m=7 s=33
